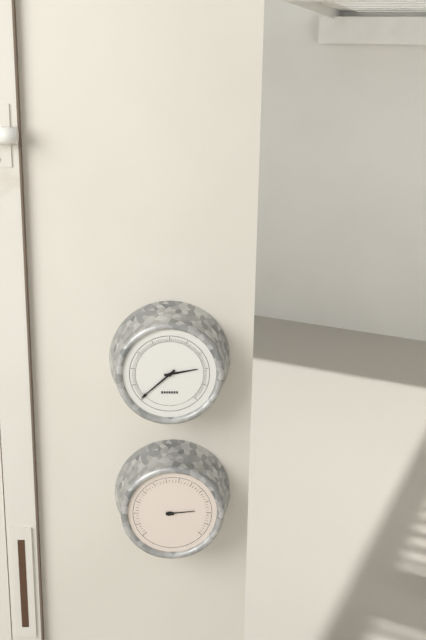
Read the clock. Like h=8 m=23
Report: h=2 m=38
